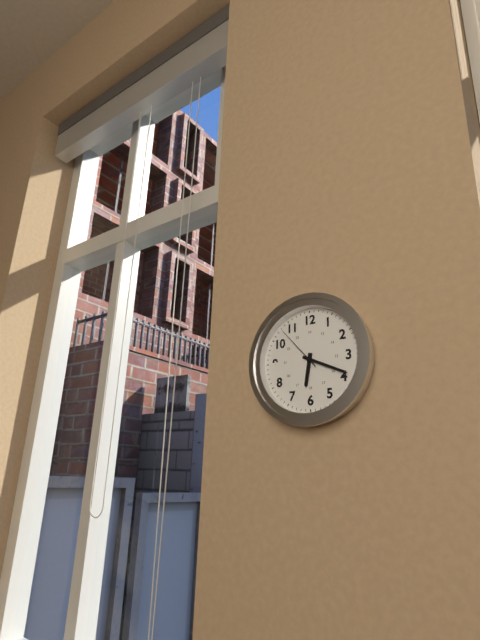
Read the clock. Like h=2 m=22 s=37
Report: h=6 m=19 s=53
